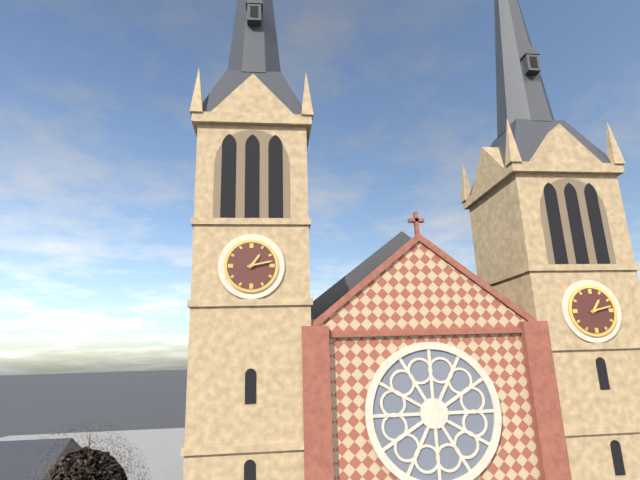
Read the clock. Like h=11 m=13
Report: h=1 m=13
